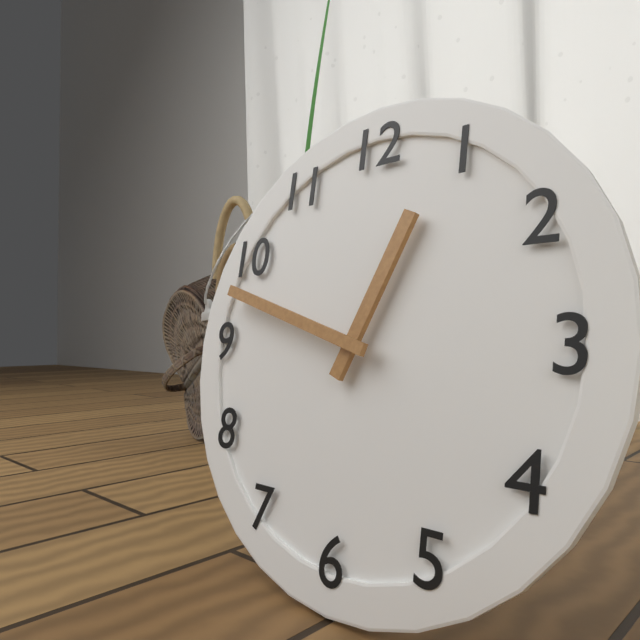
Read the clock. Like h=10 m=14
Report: h=12 m=48
